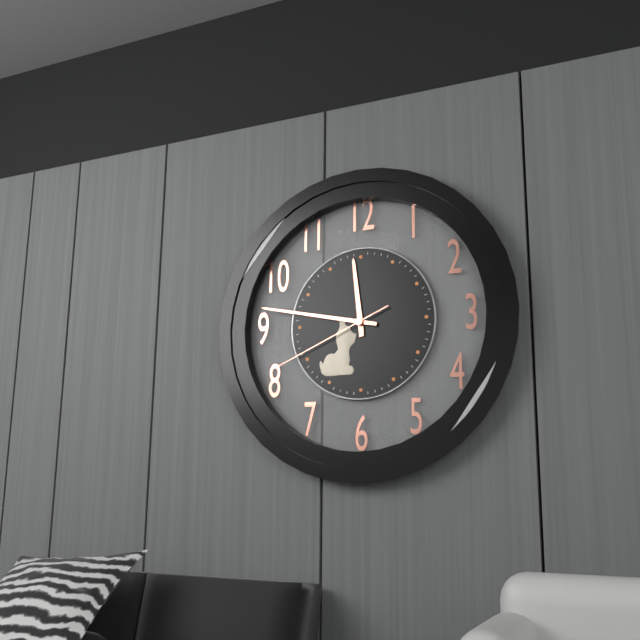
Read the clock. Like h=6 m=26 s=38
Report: h=11 m=47 s=41
